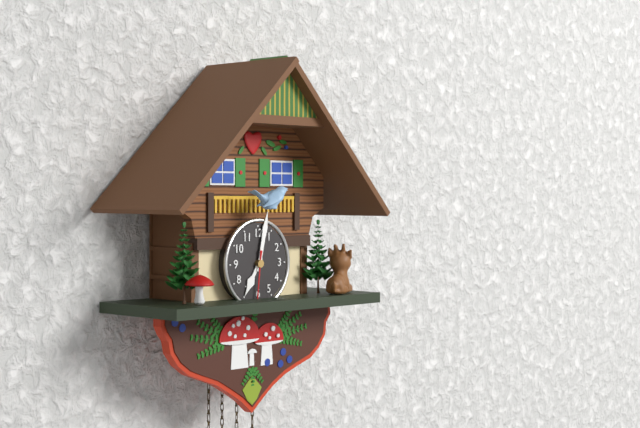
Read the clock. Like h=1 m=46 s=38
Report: h=7 m=2 s=31
